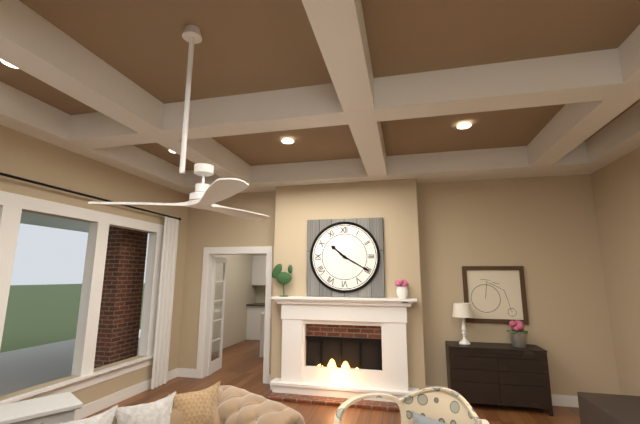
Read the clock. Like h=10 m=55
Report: h=10 m=20
